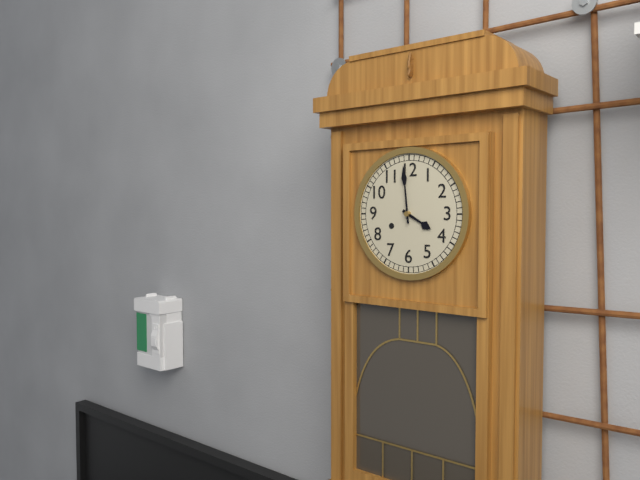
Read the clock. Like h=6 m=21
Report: h=3 m=59
